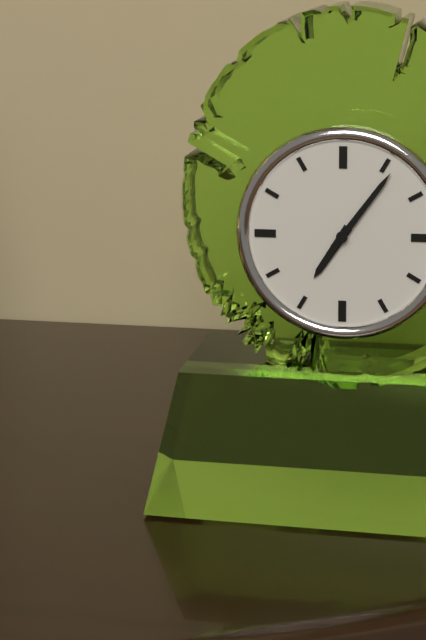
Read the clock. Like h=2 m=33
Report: h=7 m=6
